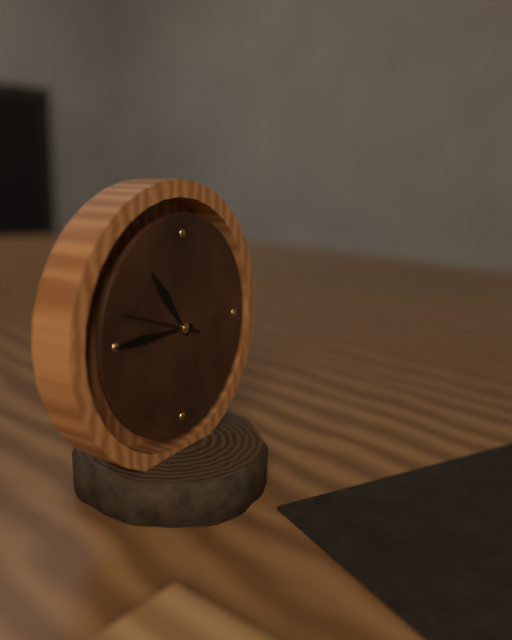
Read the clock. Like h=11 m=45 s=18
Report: h=10 m=45 s=48
